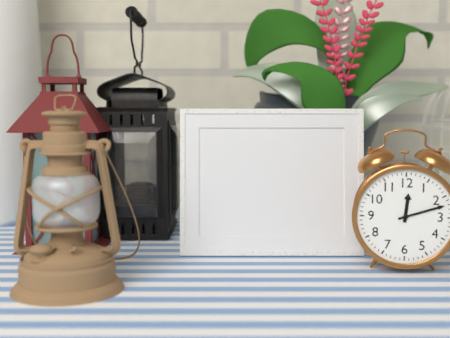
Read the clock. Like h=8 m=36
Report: h=12 m=12
